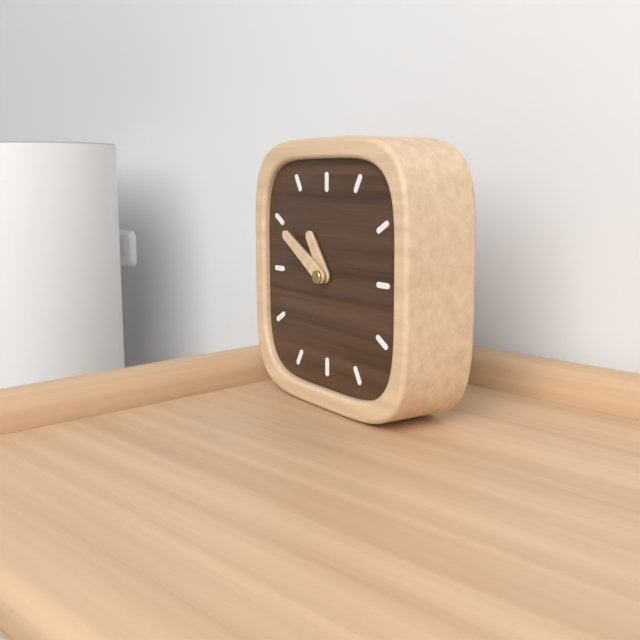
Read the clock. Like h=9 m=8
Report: h=10 m=50
